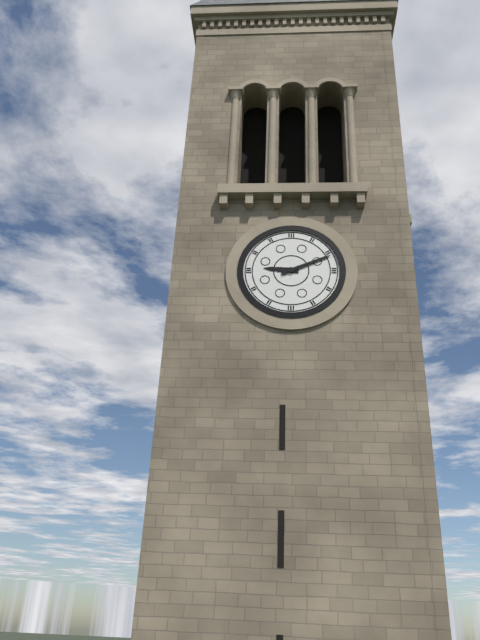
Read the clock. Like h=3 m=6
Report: h=9 m=11
